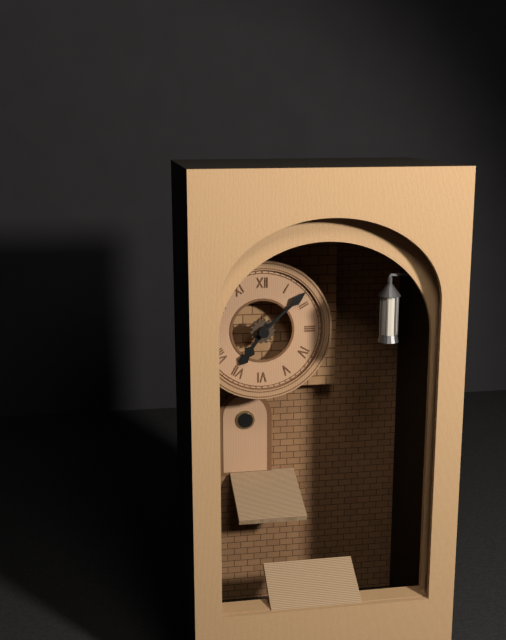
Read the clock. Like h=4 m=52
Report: h=7 m=8
